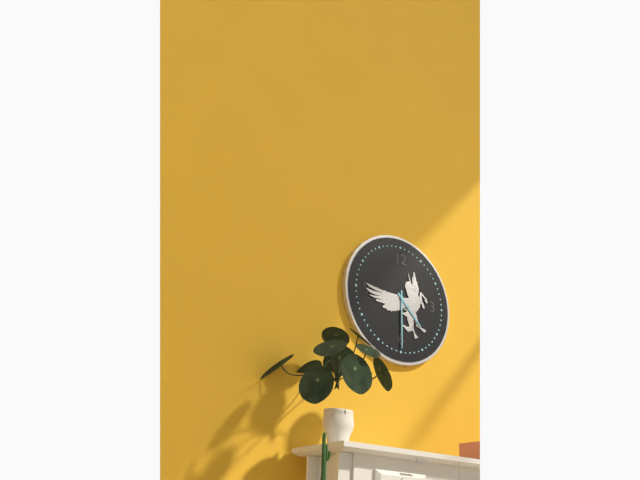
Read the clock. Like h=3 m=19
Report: h=4 m=30
